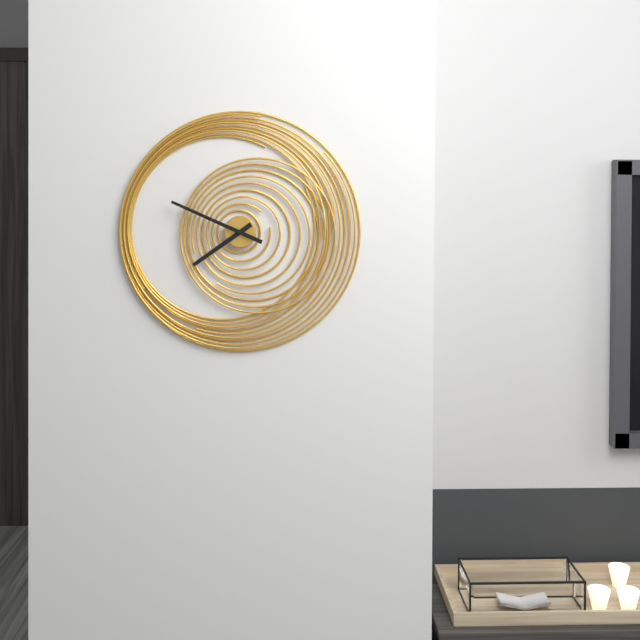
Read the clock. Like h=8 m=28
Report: h=7 m=49
